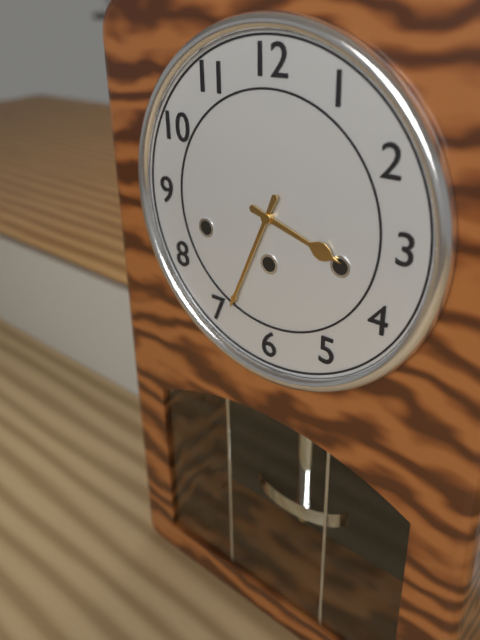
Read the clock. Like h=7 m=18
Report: h=3 m=34
